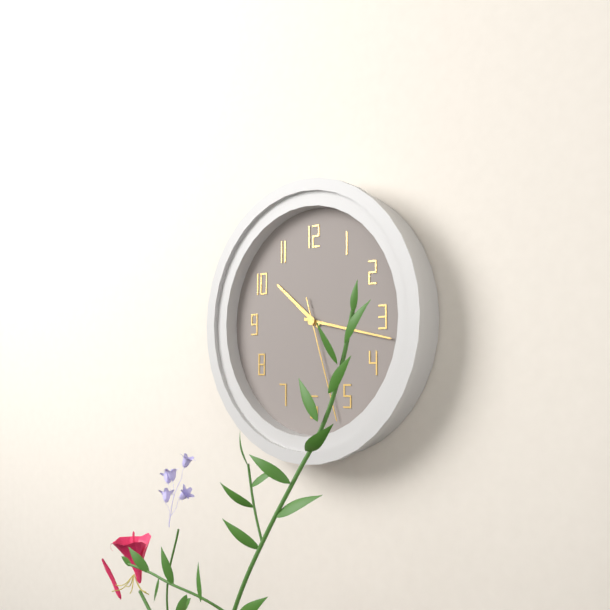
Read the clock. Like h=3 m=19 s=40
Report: h=10 m=17 s=27
